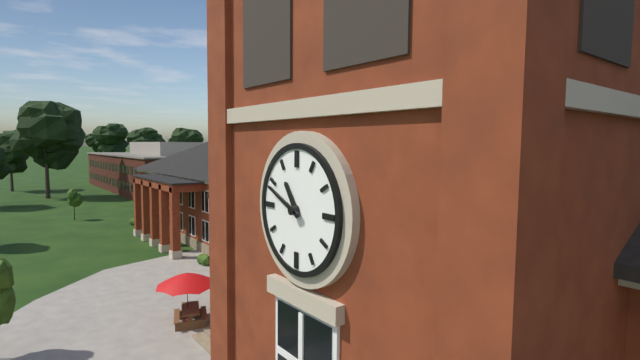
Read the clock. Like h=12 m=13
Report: h=10 m=49
